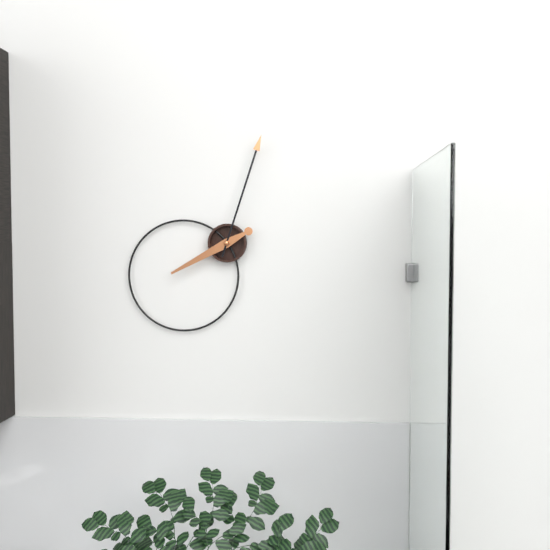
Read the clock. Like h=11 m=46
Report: h=8 m=3
